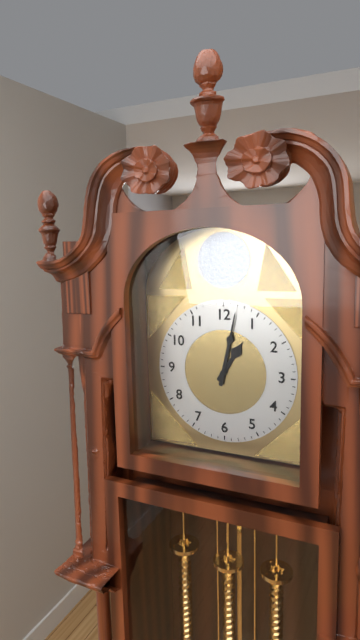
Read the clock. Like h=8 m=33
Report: h=1 m=2
